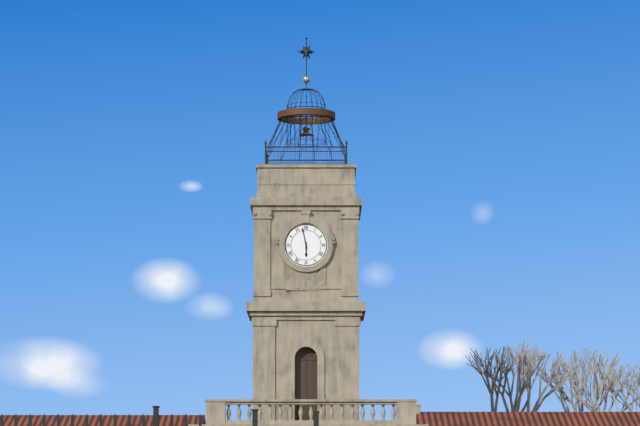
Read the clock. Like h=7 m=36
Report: h=5 m=58
